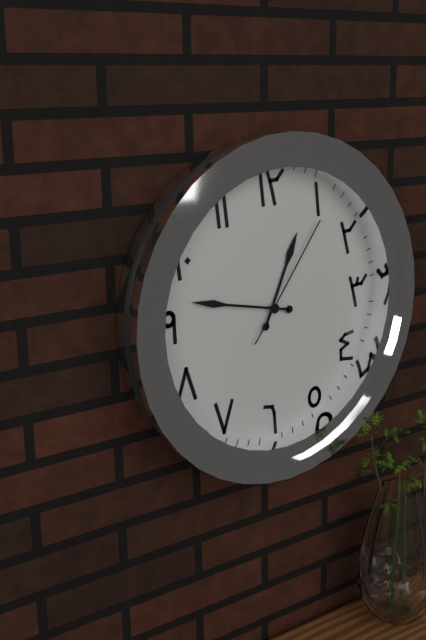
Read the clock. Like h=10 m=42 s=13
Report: h=12 m=47 s=6
